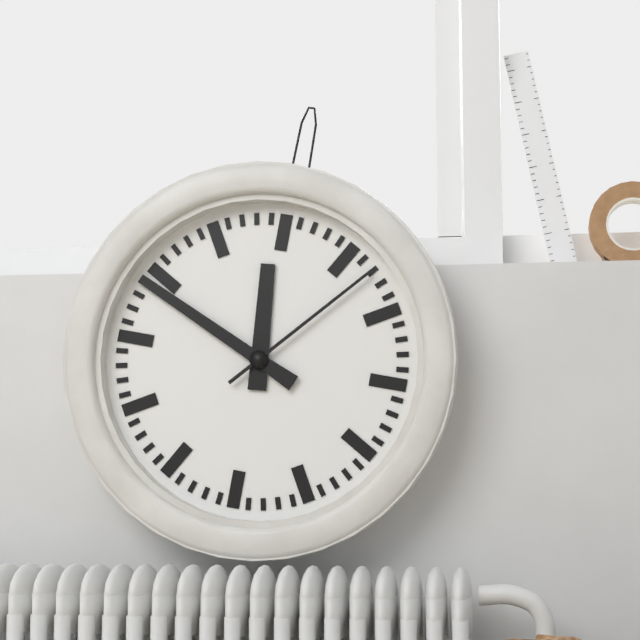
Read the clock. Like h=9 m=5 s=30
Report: h=11 m=49 s=7
